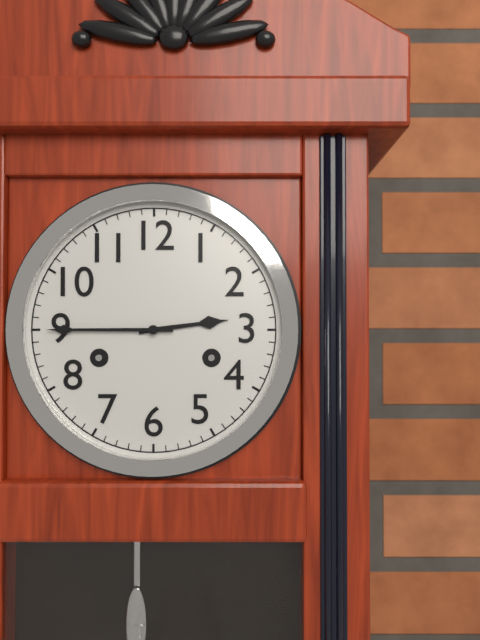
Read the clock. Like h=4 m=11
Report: h=2 m=45
